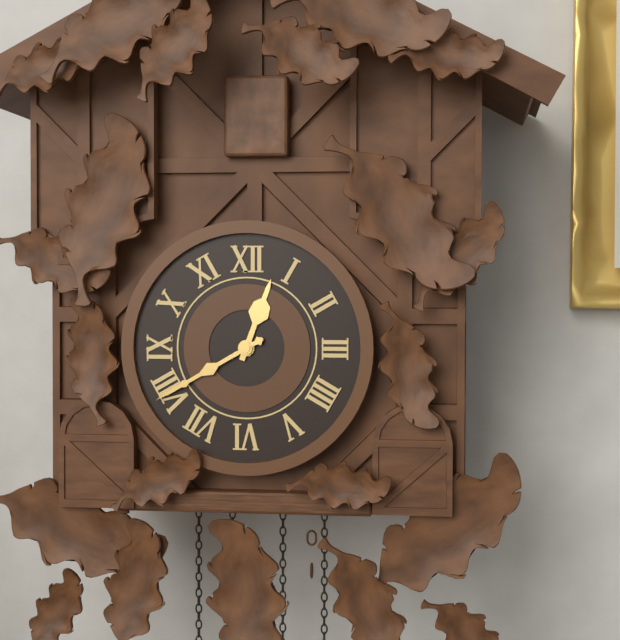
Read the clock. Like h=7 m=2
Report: h=12 m=40
